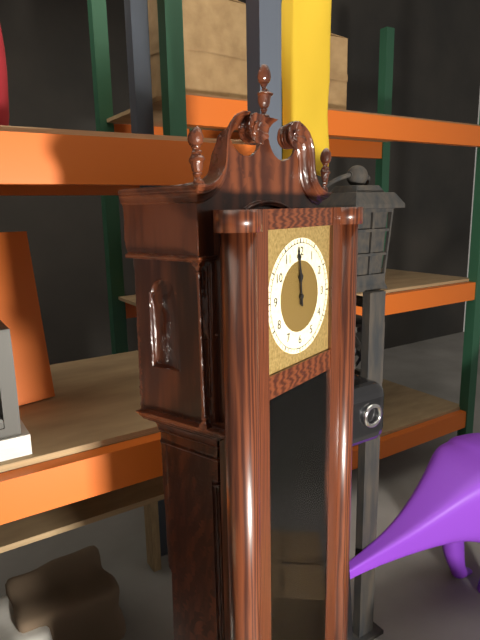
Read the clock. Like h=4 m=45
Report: h=11 m=59
